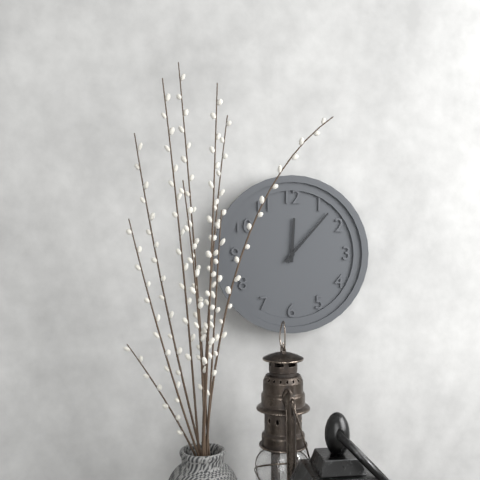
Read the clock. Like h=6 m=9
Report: h=12 m=7
